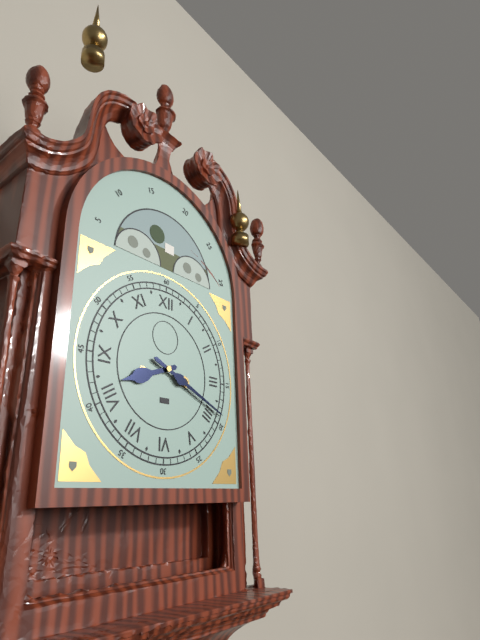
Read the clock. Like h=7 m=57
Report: h=8 m=19
